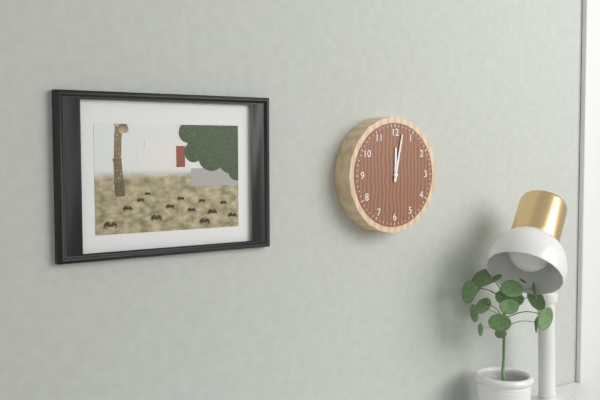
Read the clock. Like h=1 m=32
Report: h=12 m=2
